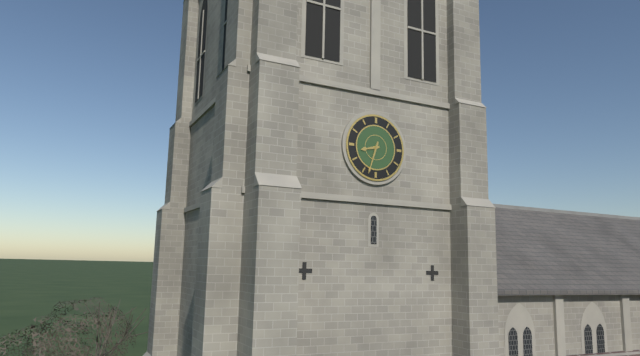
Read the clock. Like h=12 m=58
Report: h=8 m=33
